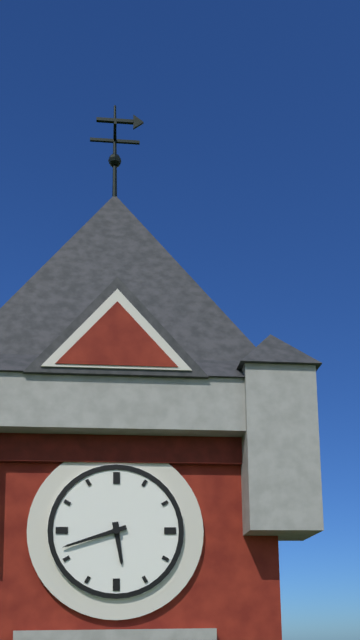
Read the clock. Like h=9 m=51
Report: h=5 m=42
